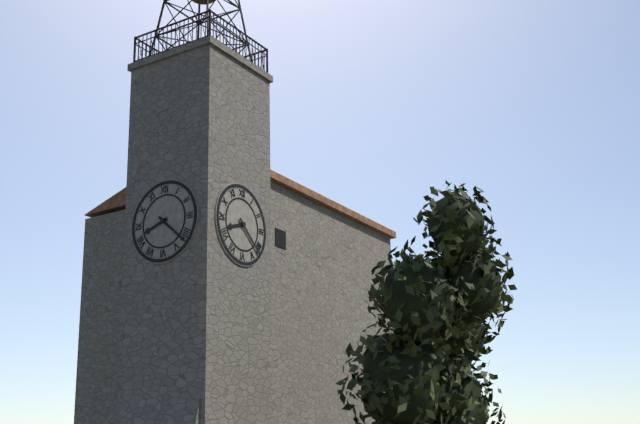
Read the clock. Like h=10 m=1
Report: h=8 m=22
